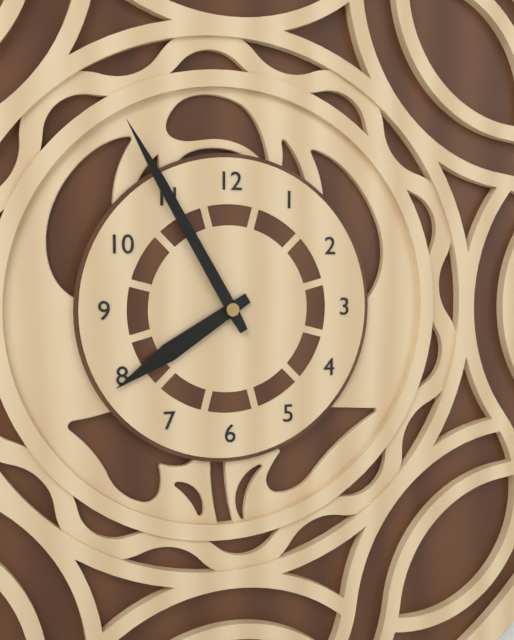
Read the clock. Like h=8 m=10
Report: h=7 m=55
